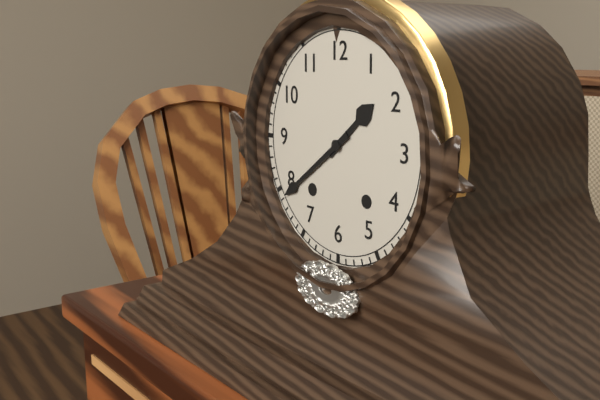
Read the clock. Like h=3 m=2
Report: h=1 m=39
